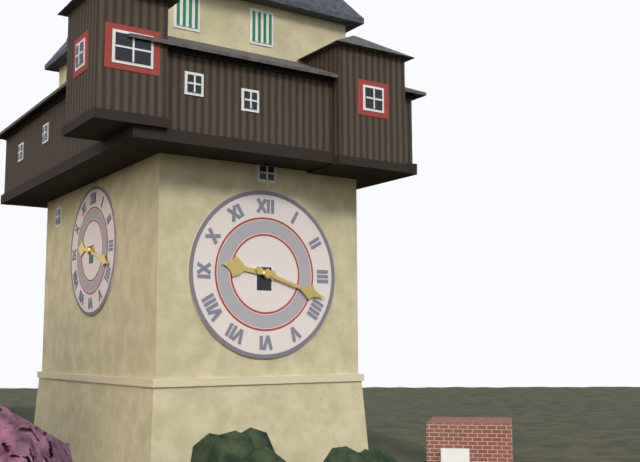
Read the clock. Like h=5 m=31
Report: h=9 m=18
